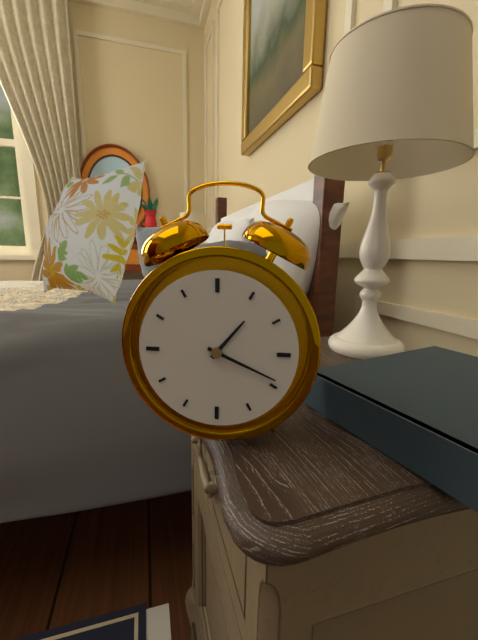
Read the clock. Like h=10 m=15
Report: h=1 m=19
